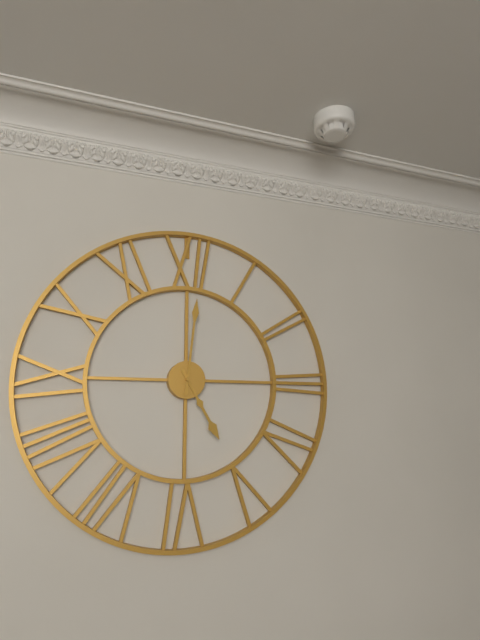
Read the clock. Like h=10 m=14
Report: h=5 m=1
